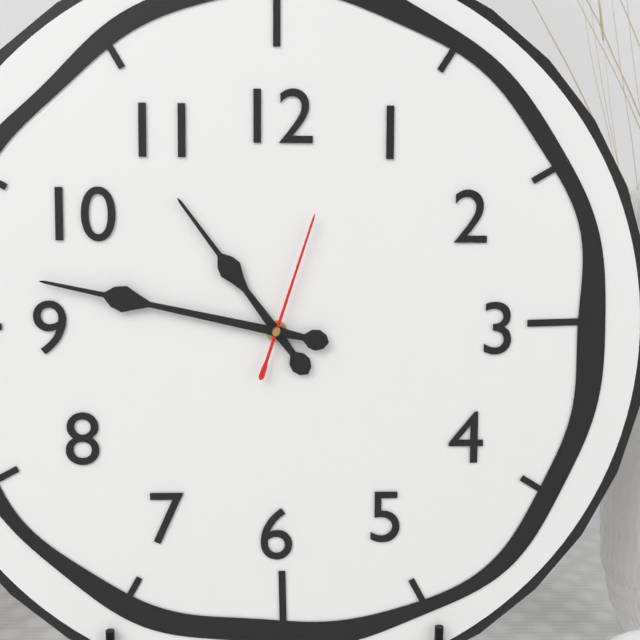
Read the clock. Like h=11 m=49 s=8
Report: h=10 m=47 s=3
